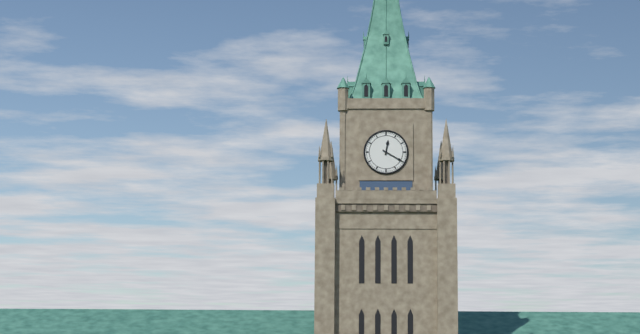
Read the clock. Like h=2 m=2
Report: h=12 m=20
